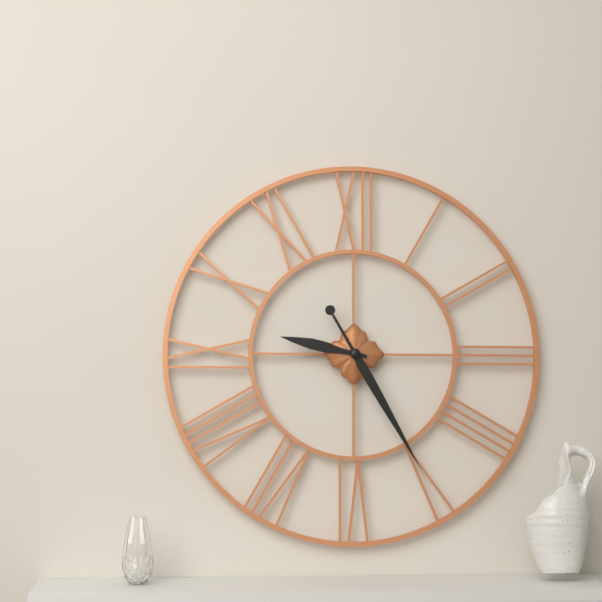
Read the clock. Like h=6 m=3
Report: h=9 m=25
